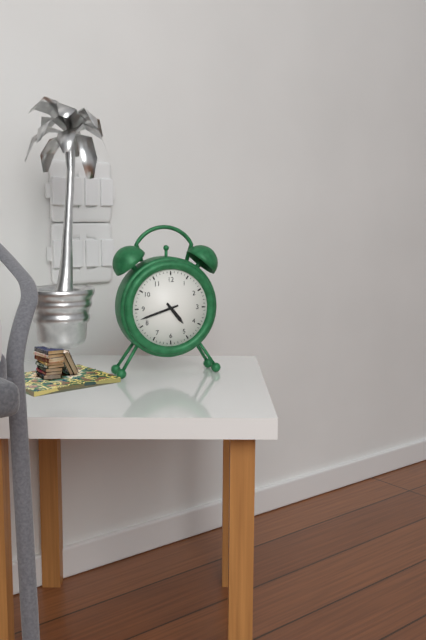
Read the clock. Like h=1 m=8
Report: h=4 m=42
